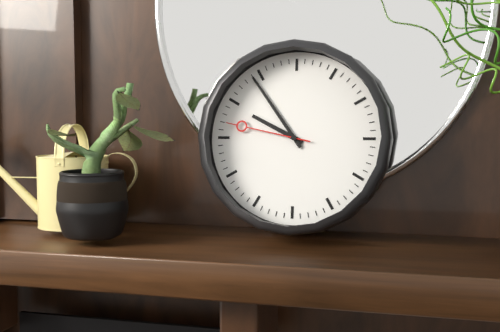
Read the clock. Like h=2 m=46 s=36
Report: h=9 m=54 s=47
